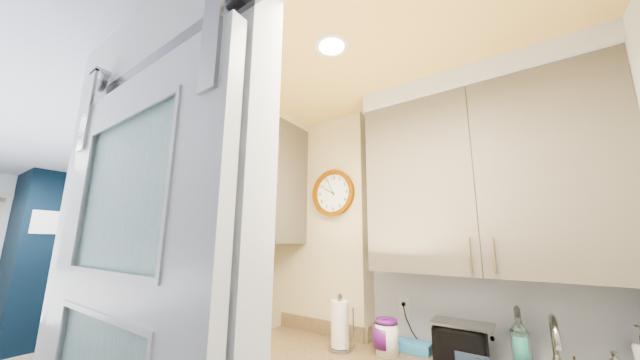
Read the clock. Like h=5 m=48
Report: h=9 m=56
